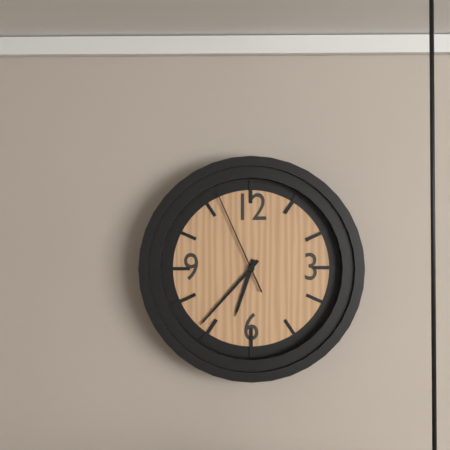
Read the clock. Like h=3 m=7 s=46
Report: h=6 m=37 s=56
